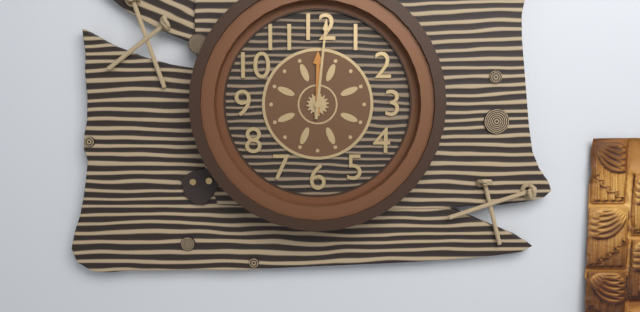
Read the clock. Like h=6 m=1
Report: h=12 m=1
